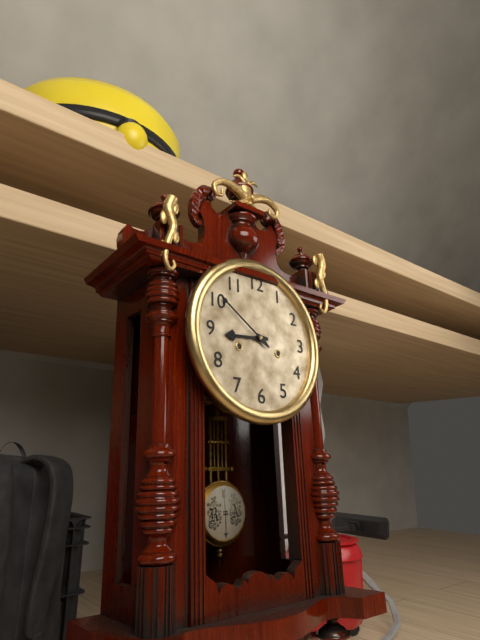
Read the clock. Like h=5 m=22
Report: h=8 m=51
